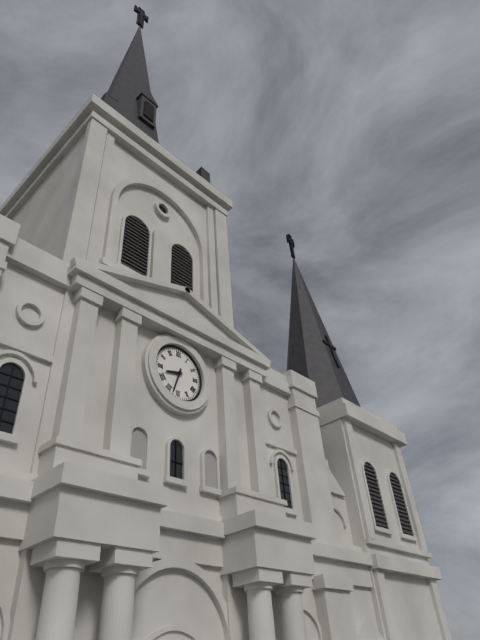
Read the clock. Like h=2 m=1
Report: h=8 m=33
